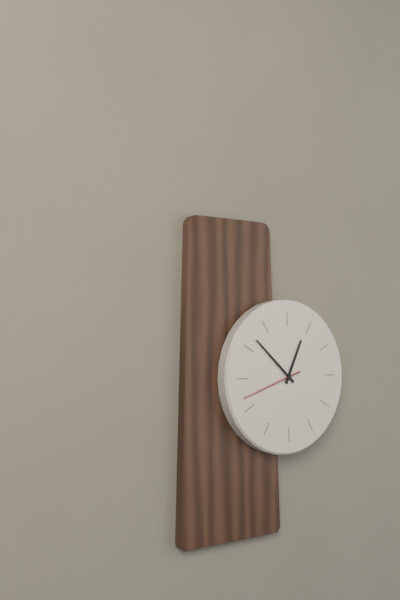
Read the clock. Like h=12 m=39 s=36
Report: h=12 m=52 s=42
